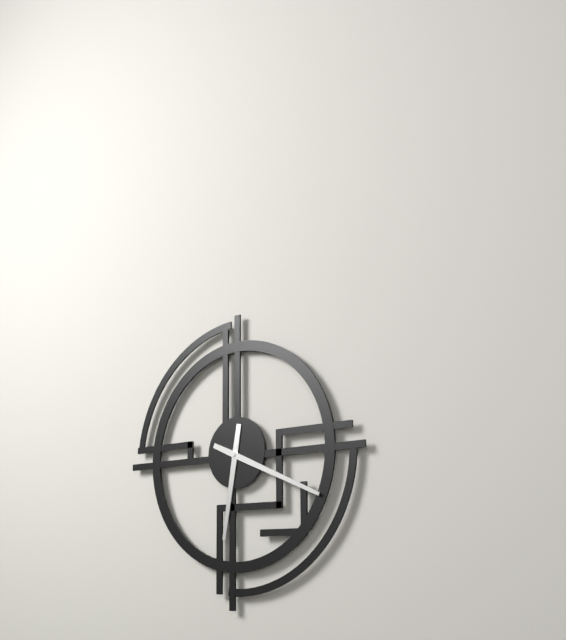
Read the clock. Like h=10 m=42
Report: h=6 m=19
